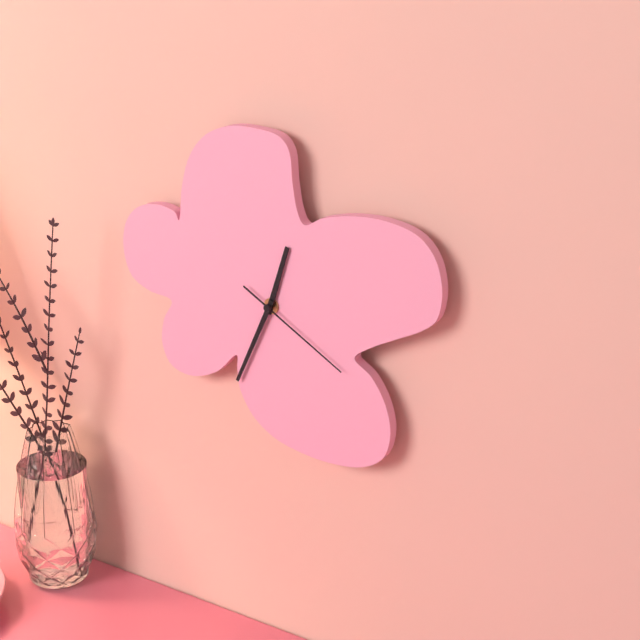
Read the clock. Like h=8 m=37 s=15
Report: h=12 m=34 s=20
